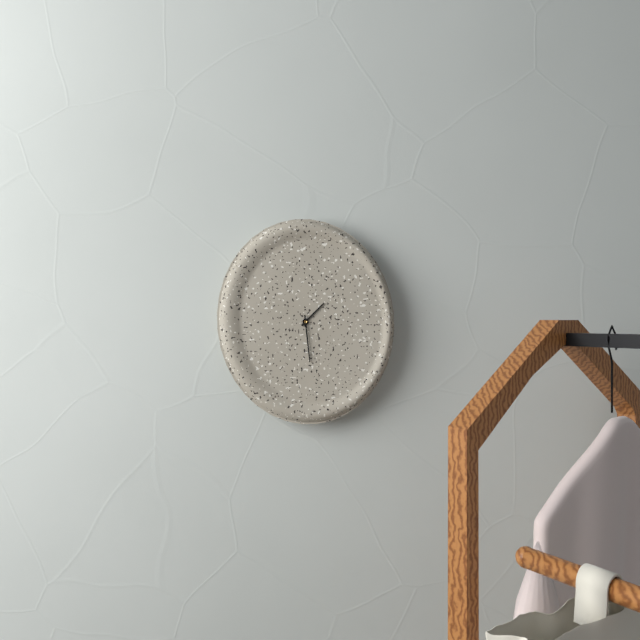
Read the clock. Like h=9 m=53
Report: h=1 m=29
